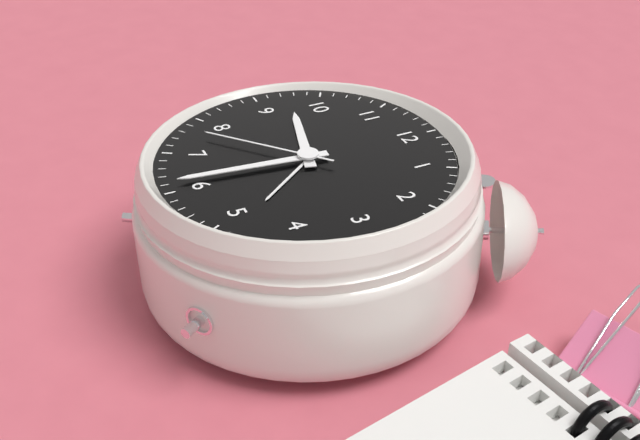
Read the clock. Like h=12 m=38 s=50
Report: h=9 m=31 s=38
